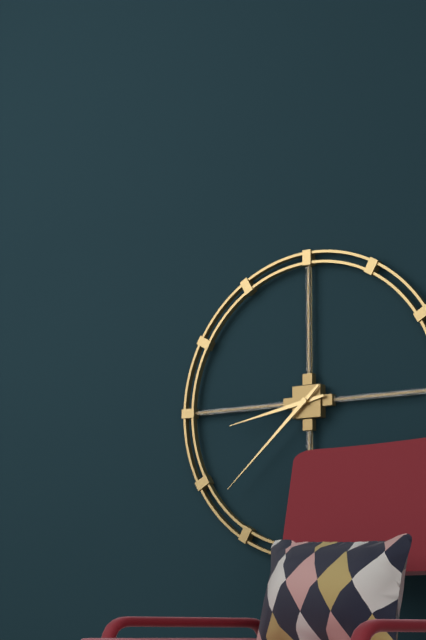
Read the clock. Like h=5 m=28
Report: h=8 m=38
